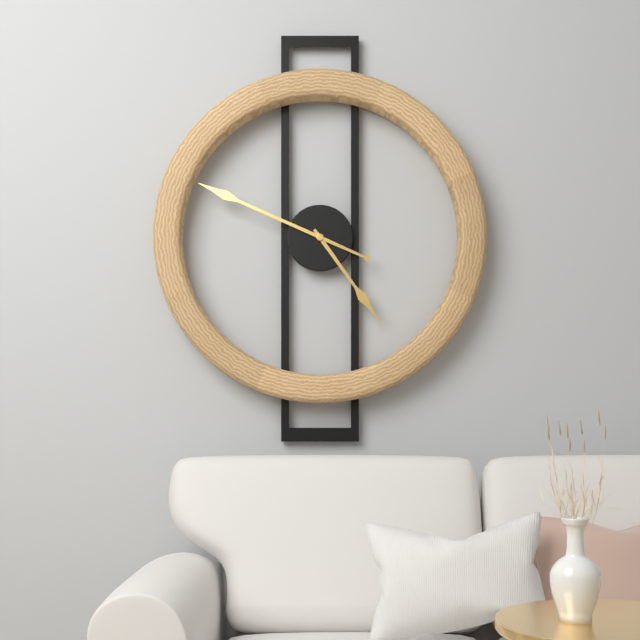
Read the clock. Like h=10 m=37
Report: h=4 m=49
